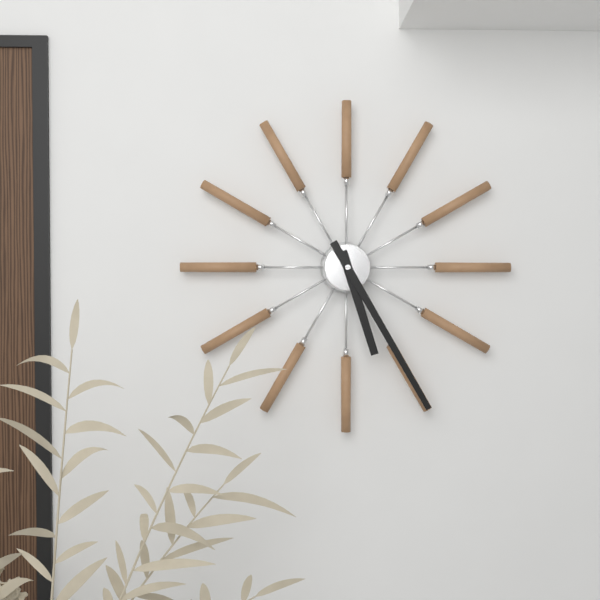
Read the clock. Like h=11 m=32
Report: h=5 m=25
